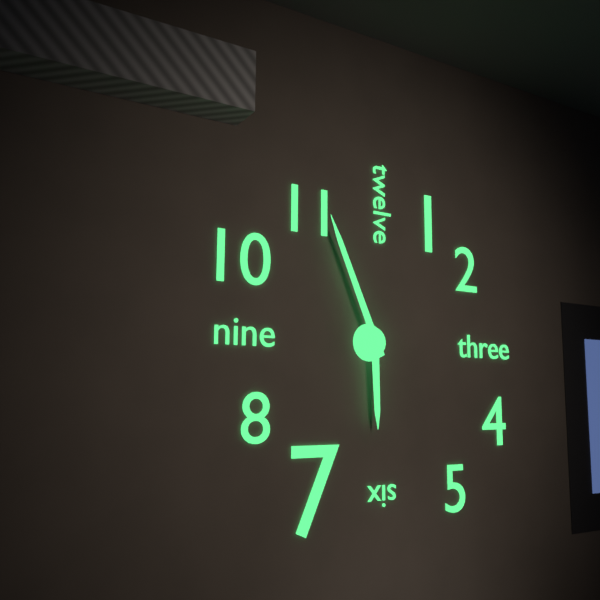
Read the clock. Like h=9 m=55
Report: h=5 m=56
